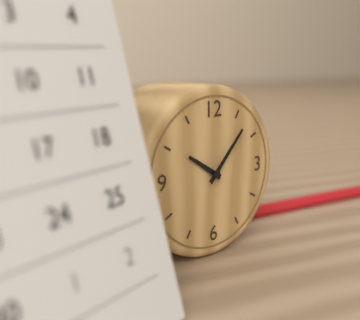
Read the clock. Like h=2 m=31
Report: h=10 m=7
